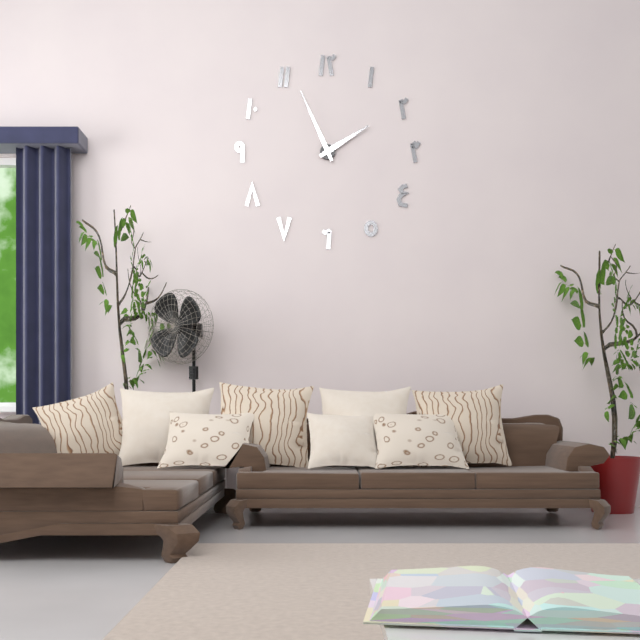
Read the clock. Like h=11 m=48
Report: h=1 m=56
